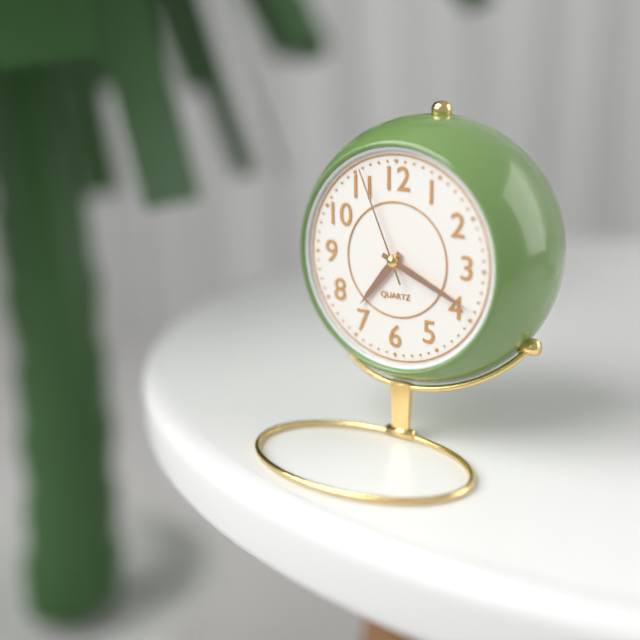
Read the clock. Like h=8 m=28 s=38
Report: h=7 m=19 s=56
